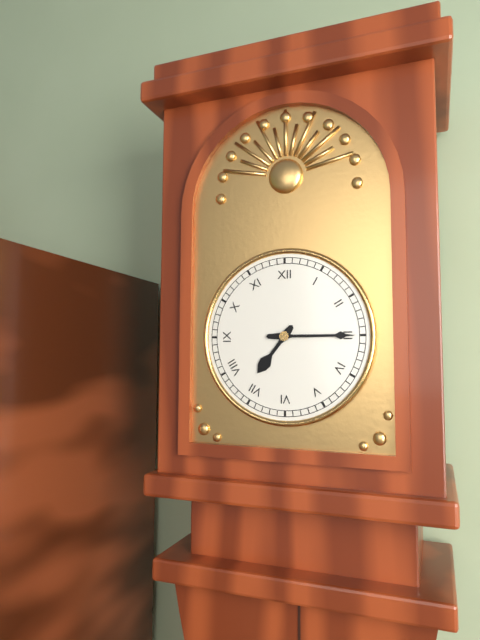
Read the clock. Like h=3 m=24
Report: h=7 m=15
